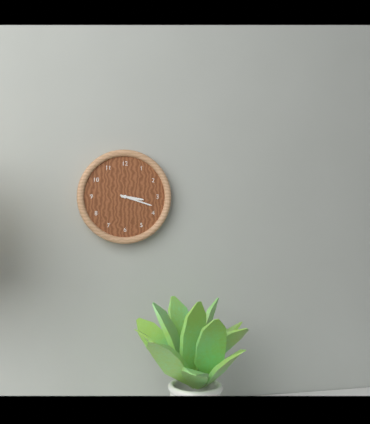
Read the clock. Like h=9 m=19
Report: h=3 m=18
